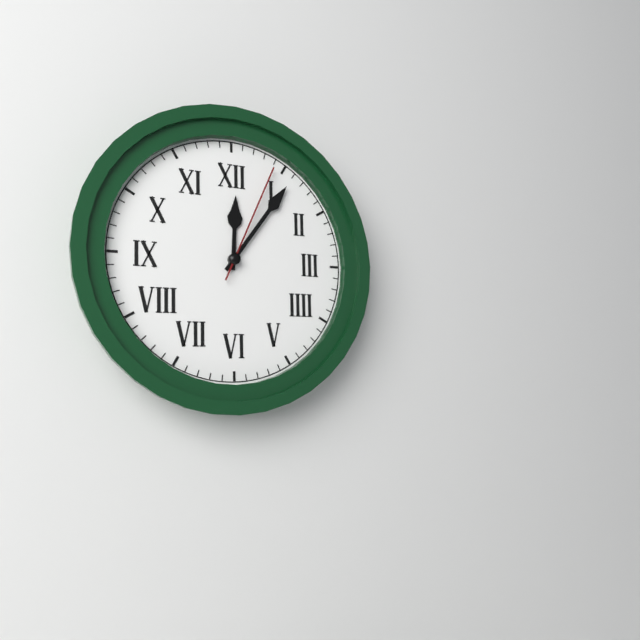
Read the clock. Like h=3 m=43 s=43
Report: h=12 m=6 s=4
